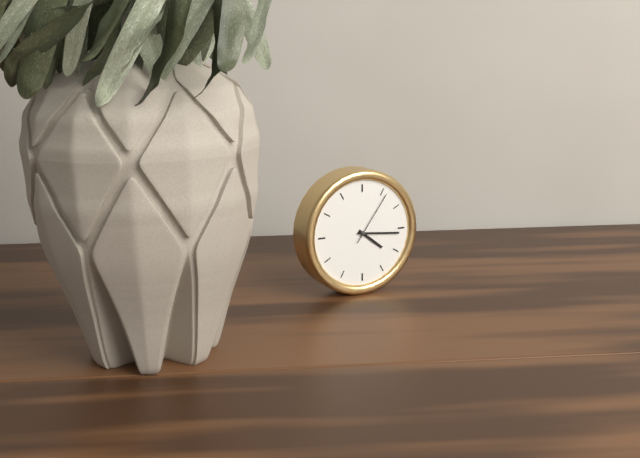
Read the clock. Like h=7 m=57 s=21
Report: h=4 m=16 s=6
